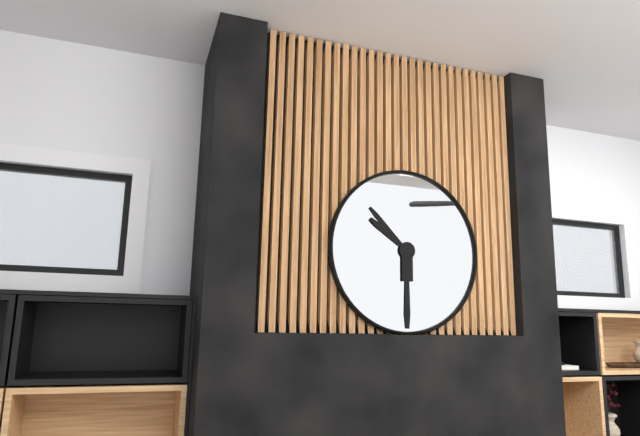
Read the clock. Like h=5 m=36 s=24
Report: h=10 m=30 s=51
